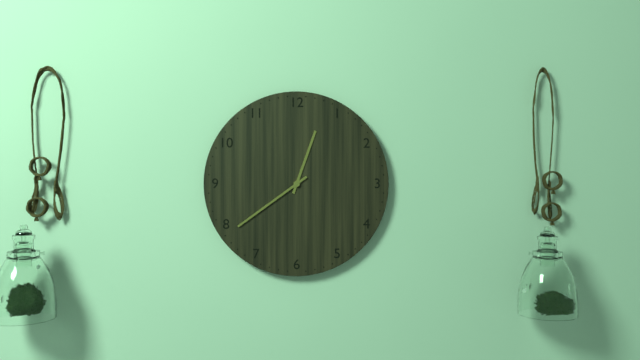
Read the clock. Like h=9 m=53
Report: h=12 m=39
